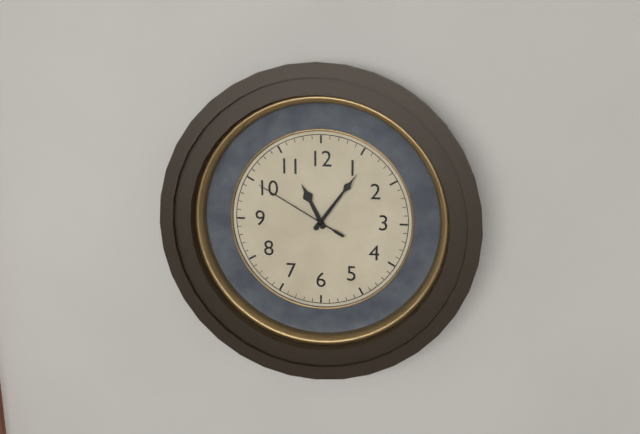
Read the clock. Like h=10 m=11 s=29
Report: h=11 m=6 s=50
